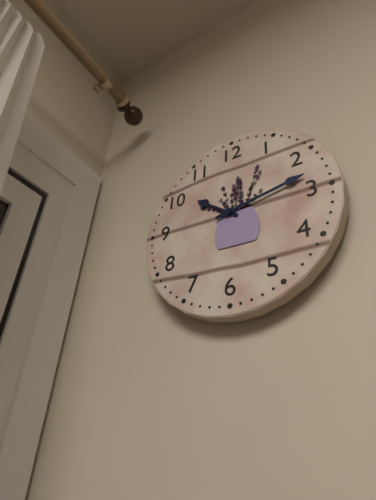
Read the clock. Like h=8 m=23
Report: h=10 m=13
